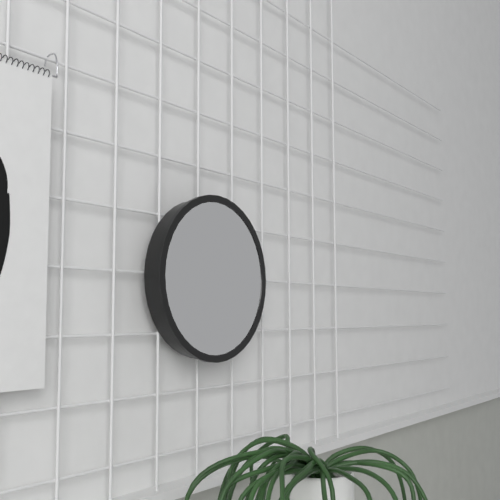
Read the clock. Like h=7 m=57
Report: h=5 m=52
